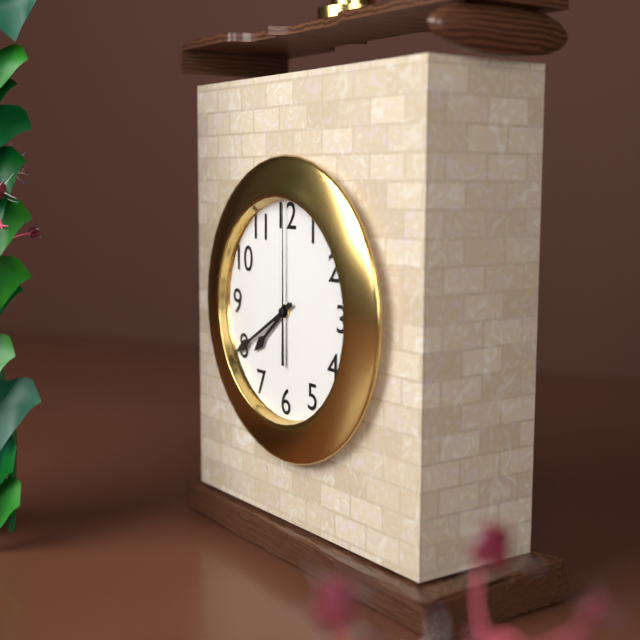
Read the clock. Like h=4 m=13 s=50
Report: h=7 m=40 s=0
